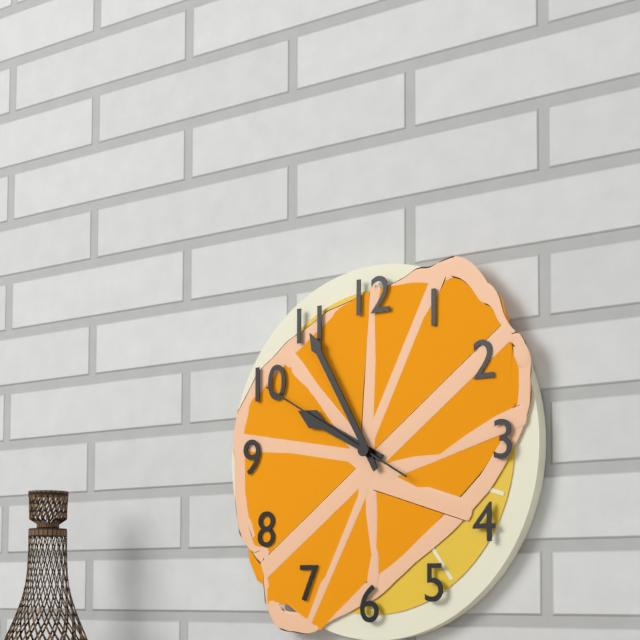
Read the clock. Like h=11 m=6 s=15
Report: h=9 m=55 s=50
